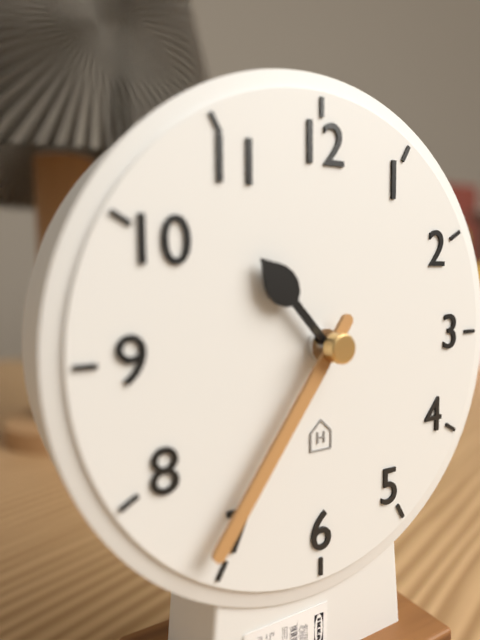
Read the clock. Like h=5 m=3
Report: h=10 m=36
